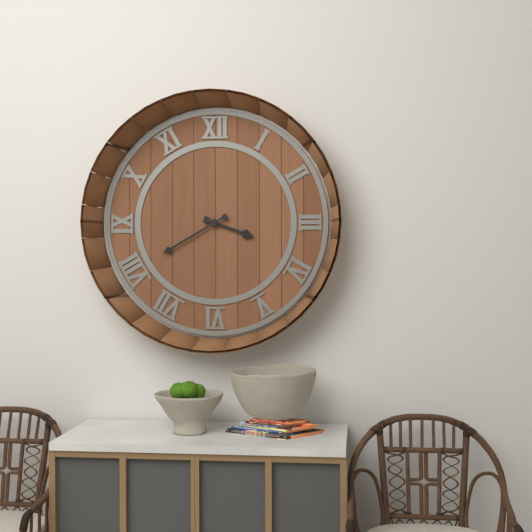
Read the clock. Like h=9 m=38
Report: h=3 m=40
